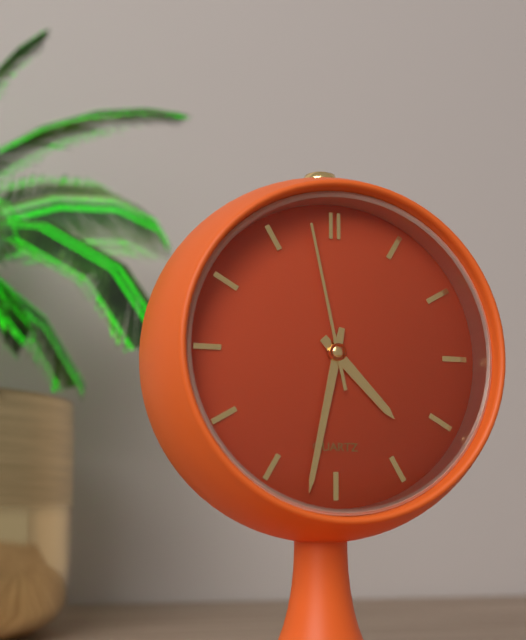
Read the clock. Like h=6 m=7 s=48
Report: h=4 m=32 s=58
